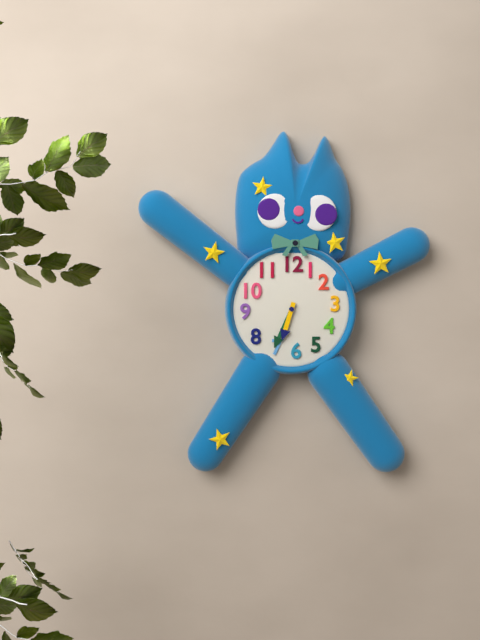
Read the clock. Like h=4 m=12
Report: h=6 m=34
